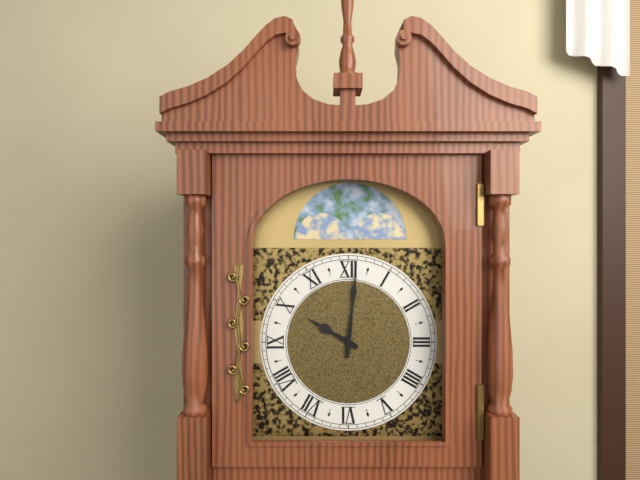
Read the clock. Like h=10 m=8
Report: h=10 m=1
